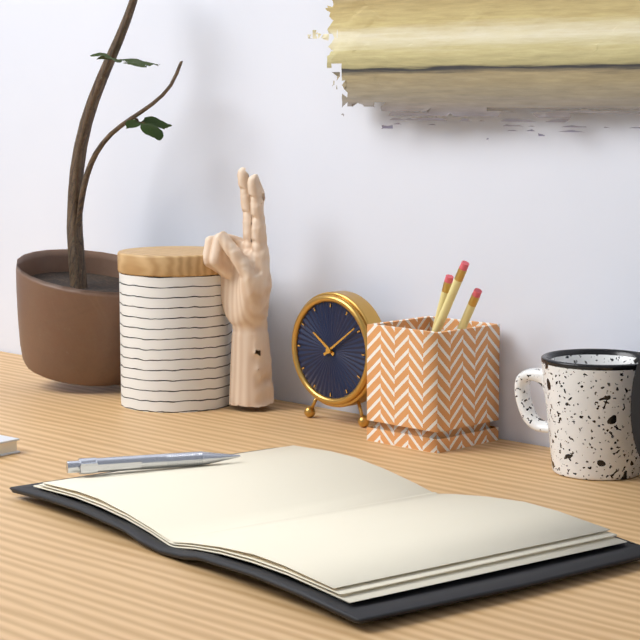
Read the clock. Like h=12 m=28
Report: h=10 m=9
